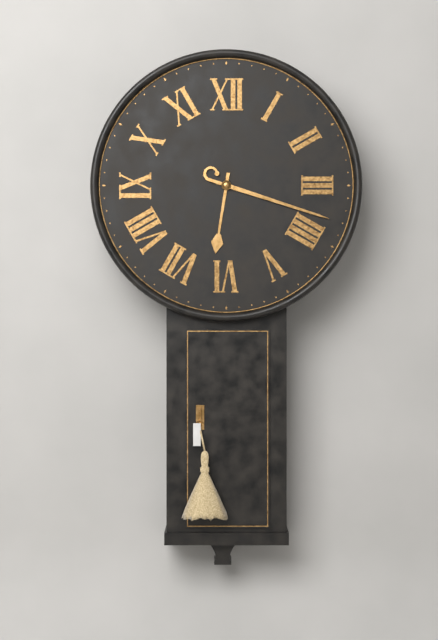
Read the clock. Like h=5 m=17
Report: h=6 m=18
